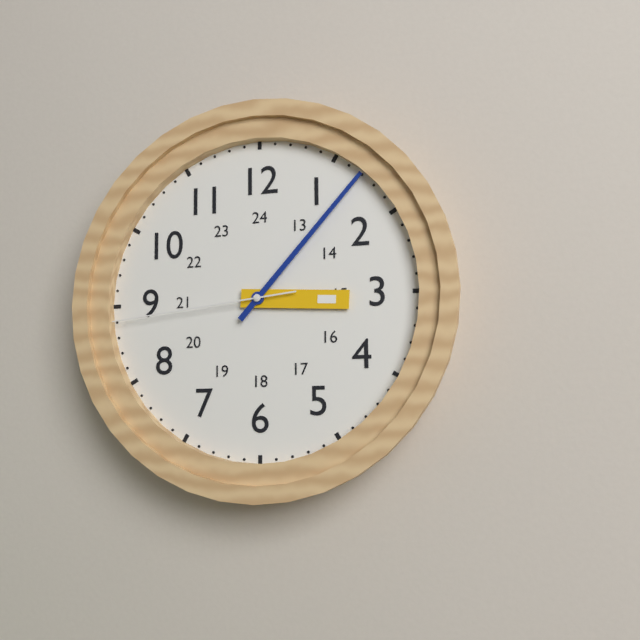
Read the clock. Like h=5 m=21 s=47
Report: h=3 m=7 s=44
